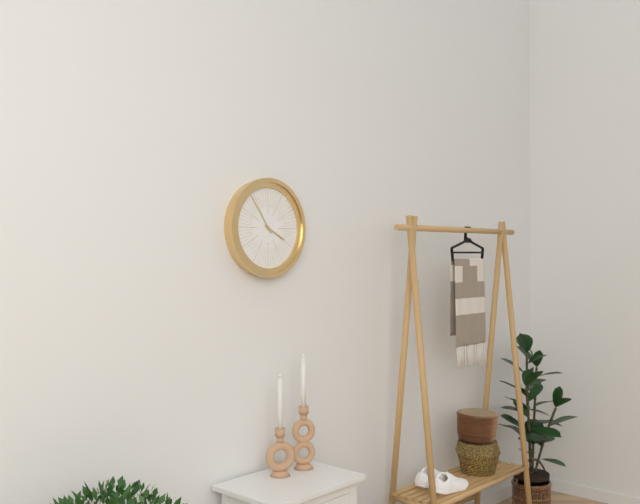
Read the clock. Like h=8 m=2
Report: h=3 m=54
